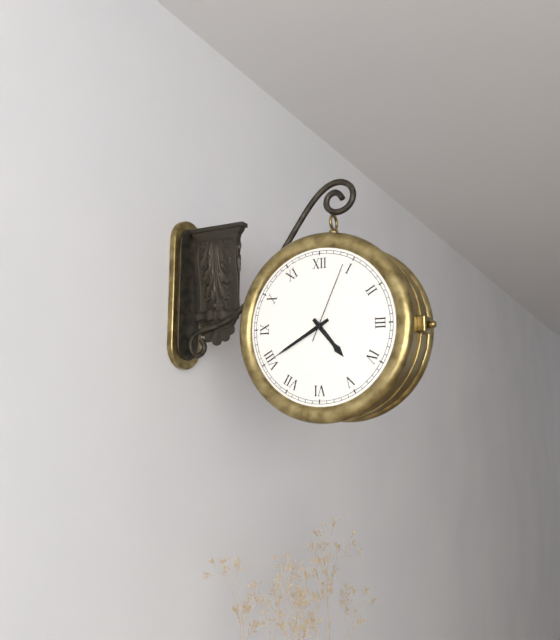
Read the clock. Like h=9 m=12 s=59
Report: h=4 m=40 s=4
